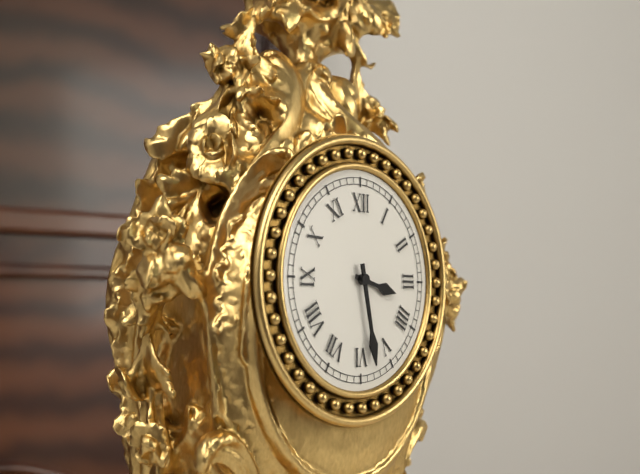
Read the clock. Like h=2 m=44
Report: h=3 m=28
